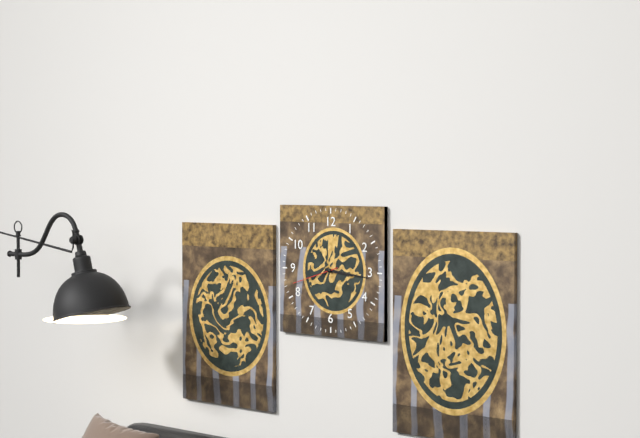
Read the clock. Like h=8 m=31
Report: h=3 m=16
